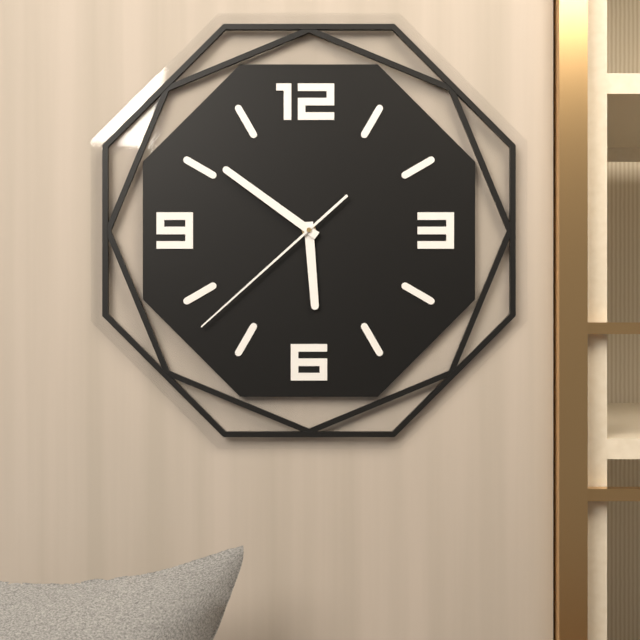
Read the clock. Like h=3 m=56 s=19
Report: h=5 m=51 s=38
